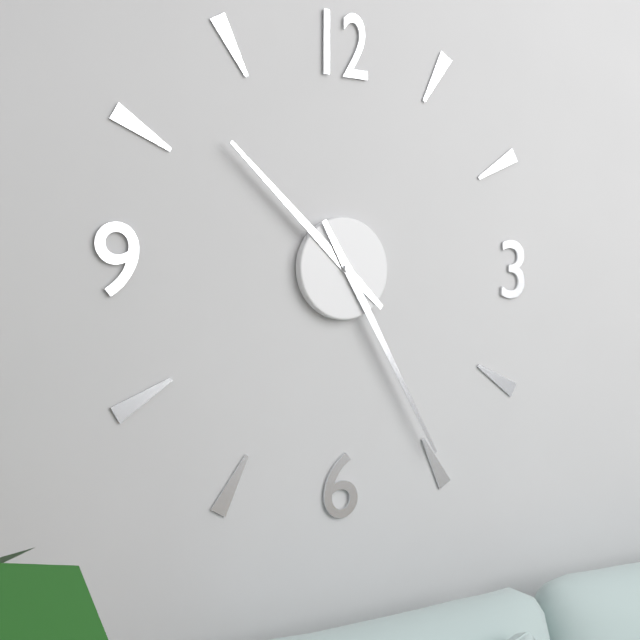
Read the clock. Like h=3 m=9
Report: h=10 m=25
